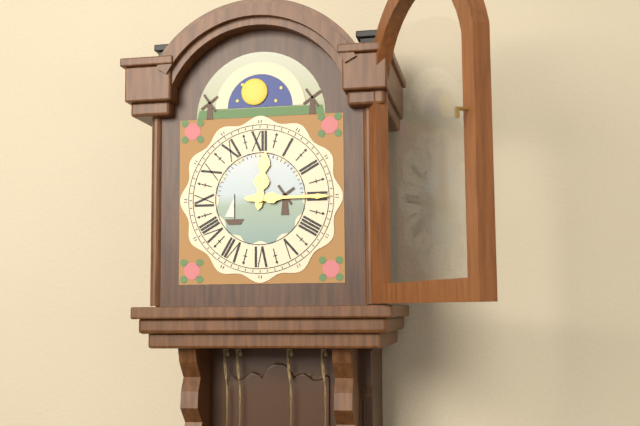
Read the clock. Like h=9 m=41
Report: h=12 m=15
